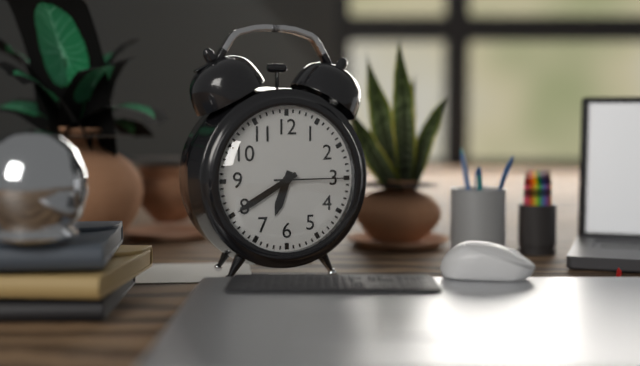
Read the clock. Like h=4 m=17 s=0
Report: h=6 m=40 s=15
